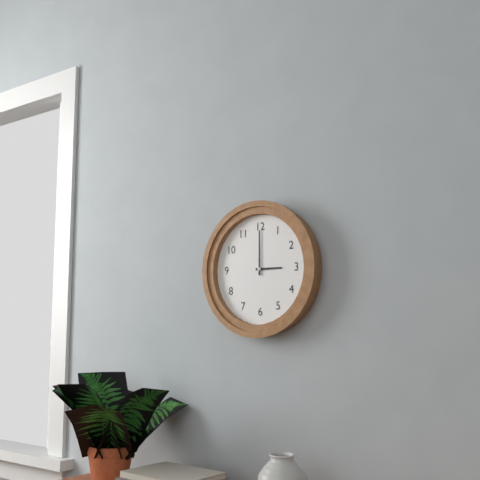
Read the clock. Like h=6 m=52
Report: h=3 m=0
